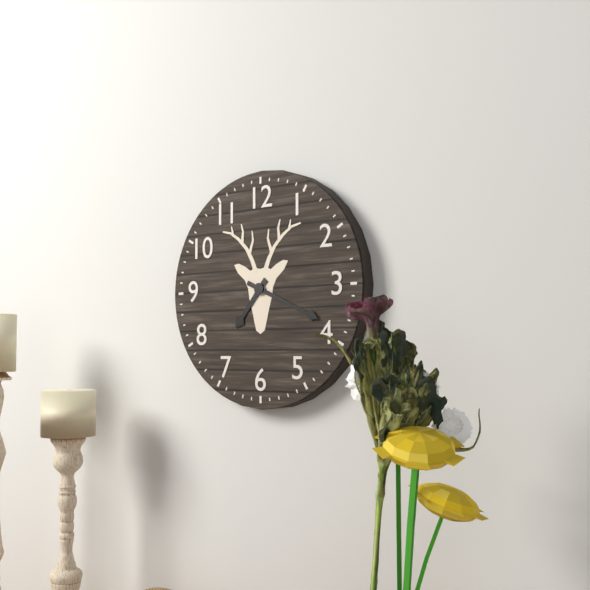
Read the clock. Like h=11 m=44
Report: h=7 m=19
